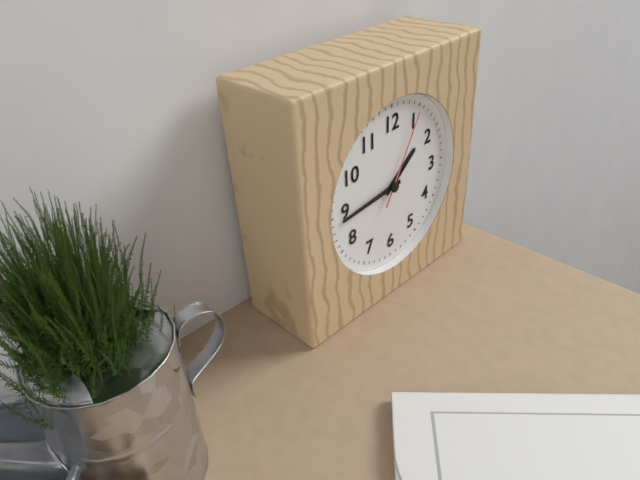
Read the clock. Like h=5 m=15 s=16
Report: h=1 m=44 s=5
